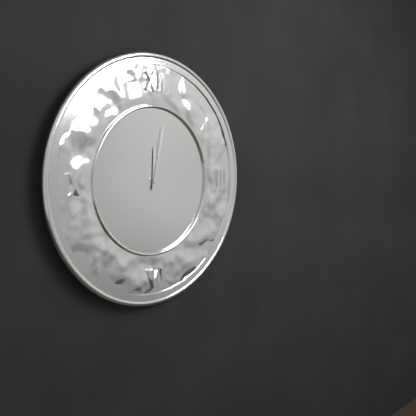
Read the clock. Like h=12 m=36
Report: h=12 m=2
